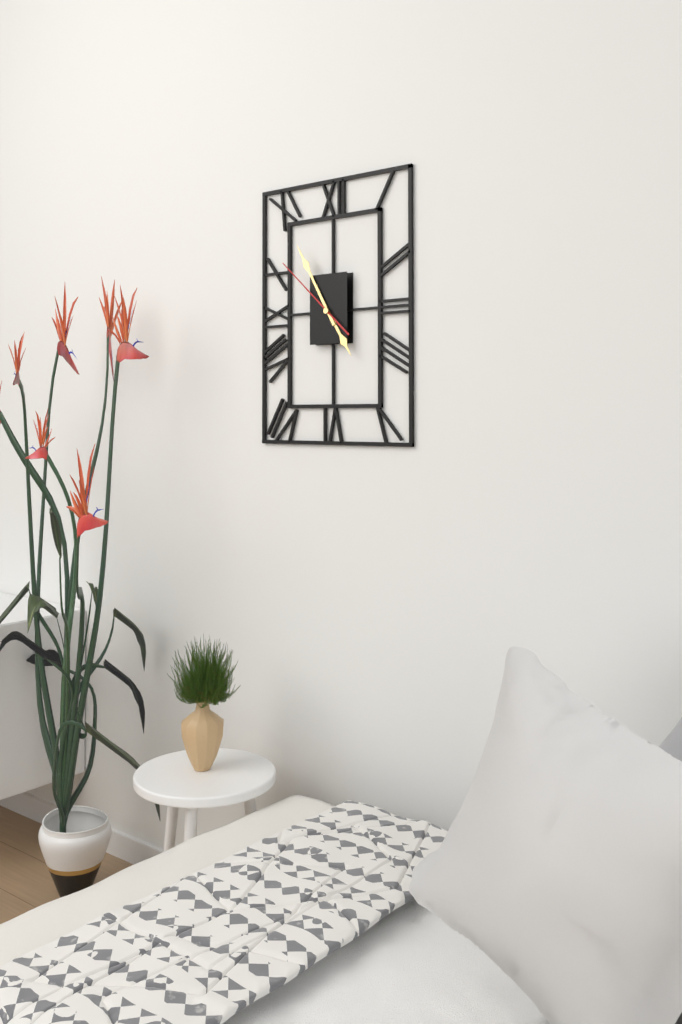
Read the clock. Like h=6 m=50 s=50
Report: h=4 m=55 s=52
